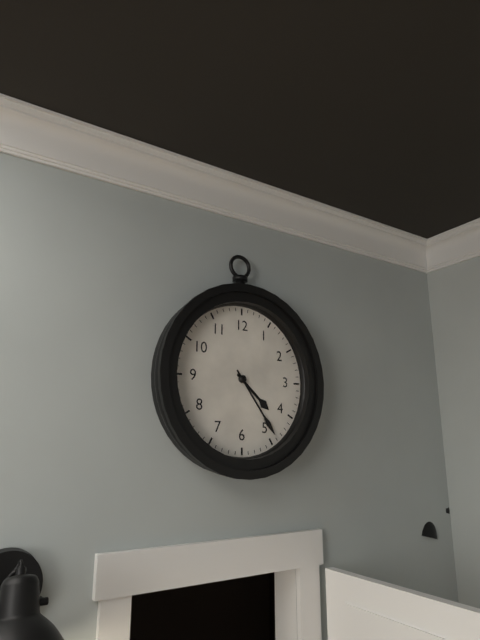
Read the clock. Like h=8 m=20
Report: h=4 m=24
